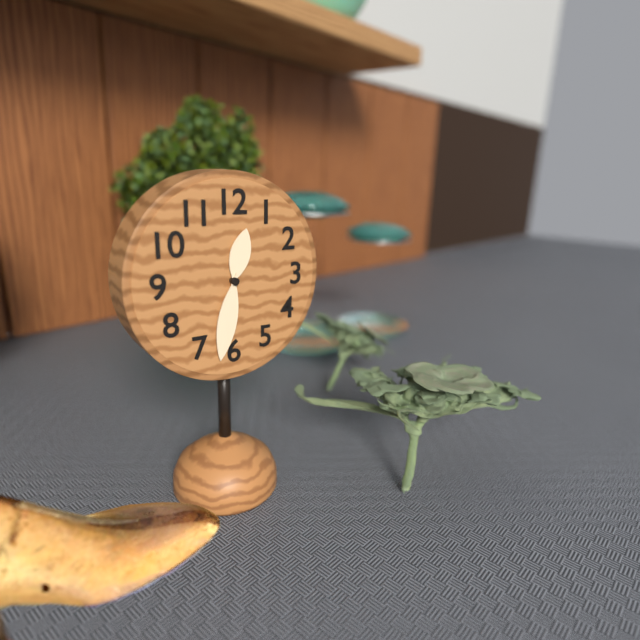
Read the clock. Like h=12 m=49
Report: h=12 m=32
